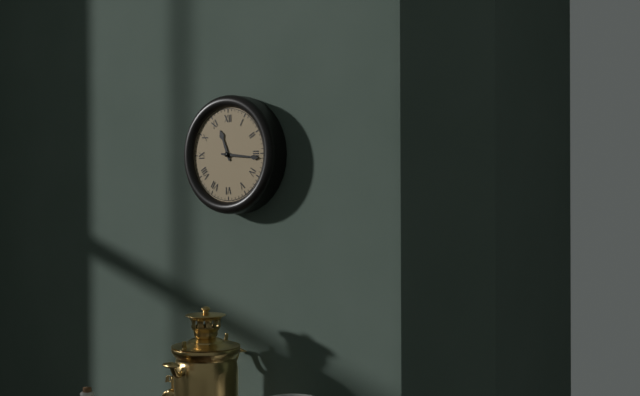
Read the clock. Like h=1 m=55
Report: h=11 m=16
